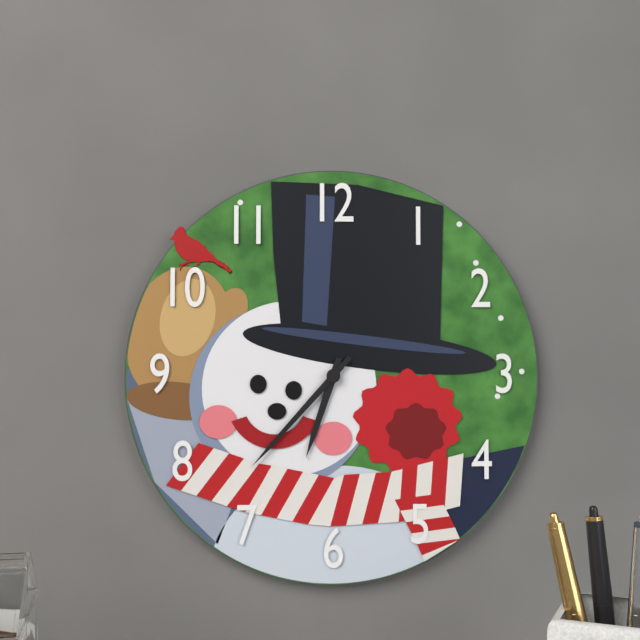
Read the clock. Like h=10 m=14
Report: h=6 m=37
